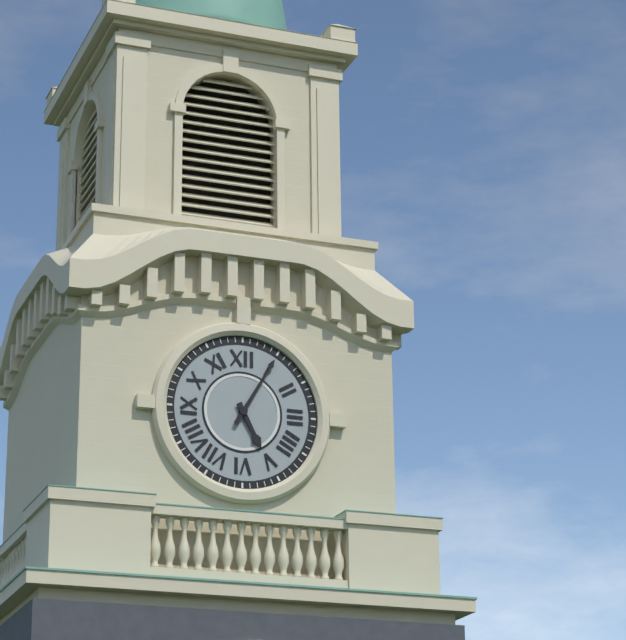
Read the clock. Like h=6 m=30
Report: h=5 m=5
